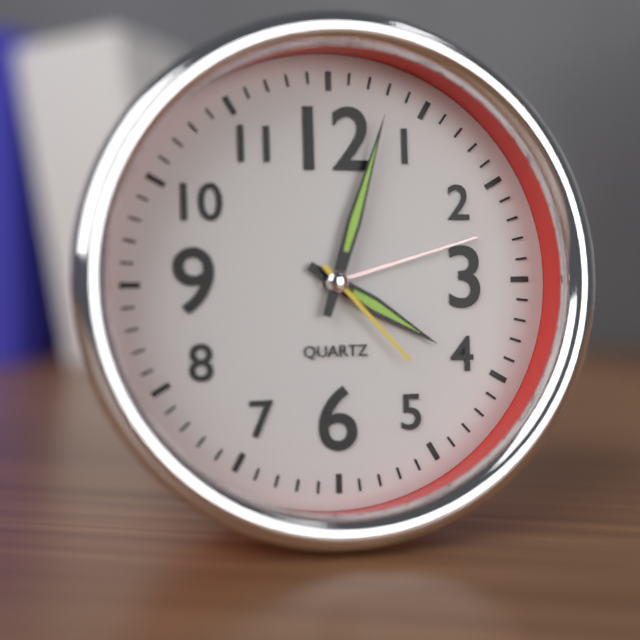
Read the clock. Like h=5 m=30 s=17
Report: h=4 m=3 s=23
